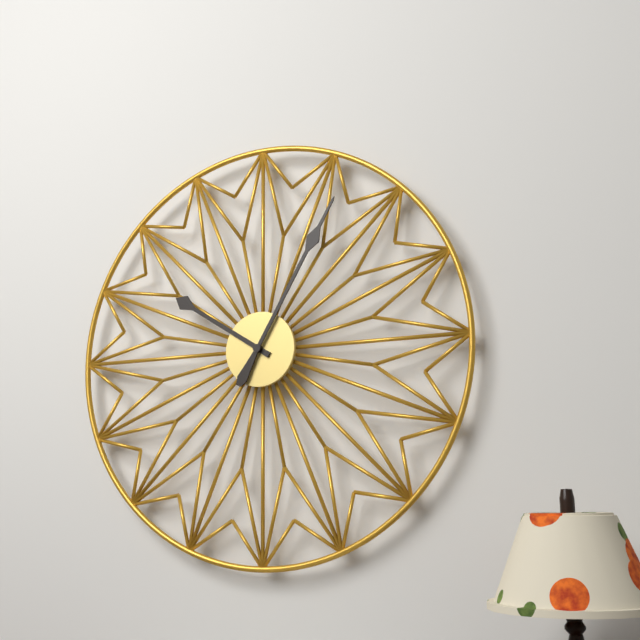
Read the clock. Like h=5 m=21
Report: h=10 m=5
